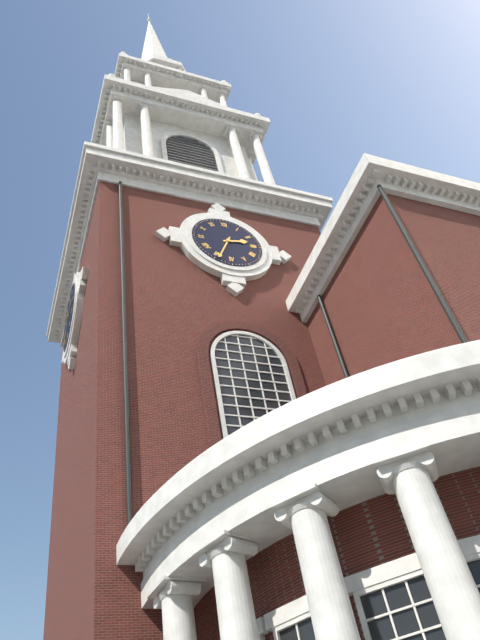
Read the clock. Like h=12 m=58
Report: h=2 m=34
